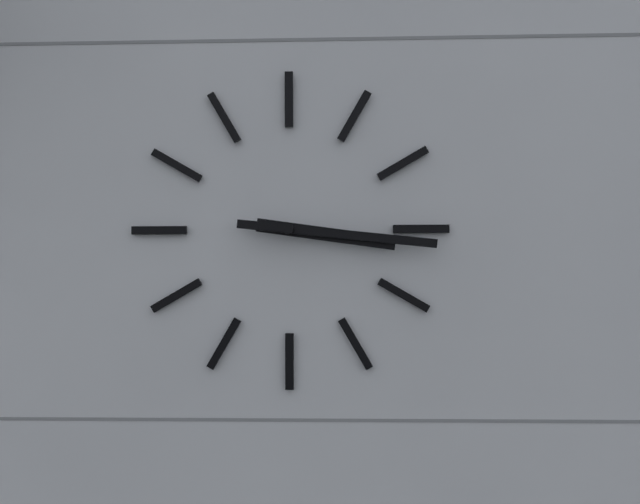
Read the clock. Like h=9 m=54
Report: h=3 m=16
